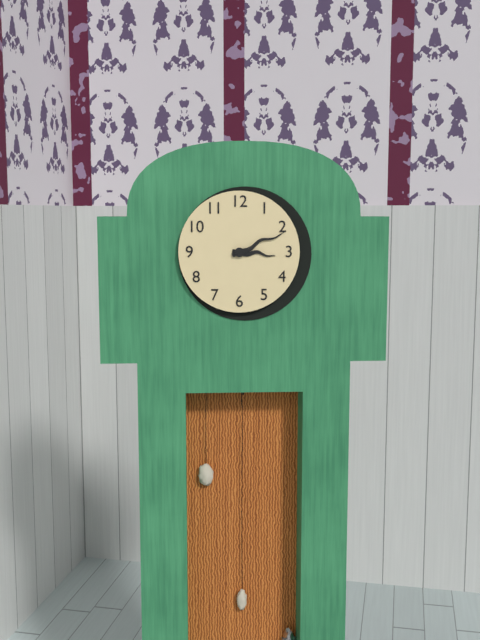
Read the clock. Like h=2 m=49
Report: h=3 m=11
